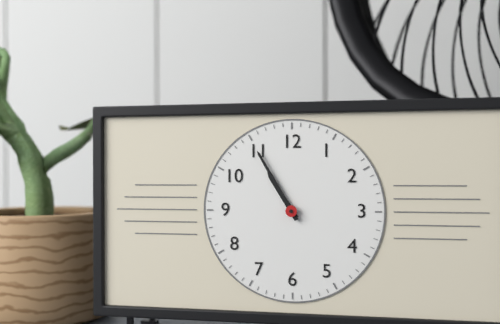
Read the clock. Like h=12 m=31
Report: h=10 m=55
